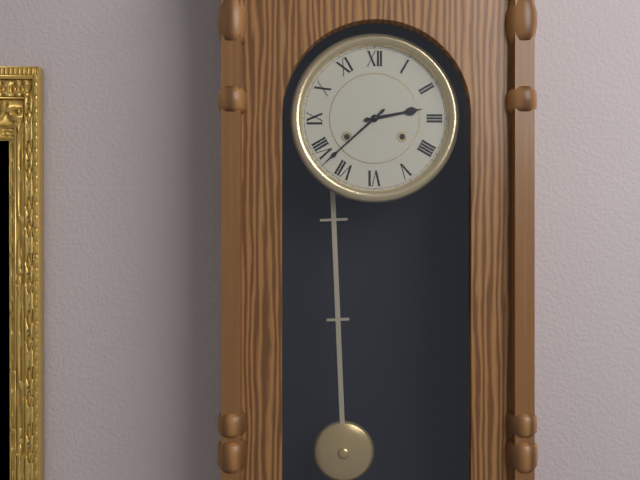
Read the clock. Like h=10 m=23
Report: h=2 m=38
